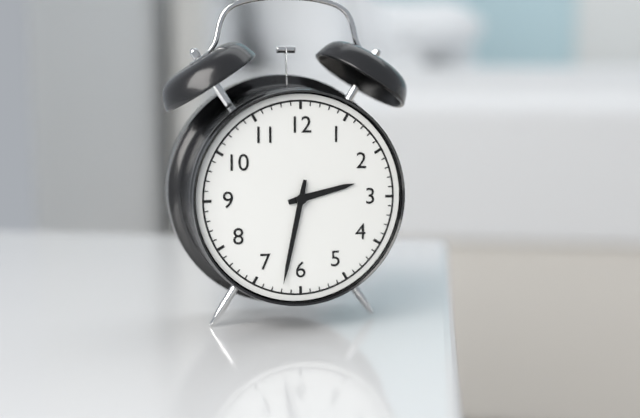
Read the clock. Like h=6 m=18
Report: h=2 m=32
